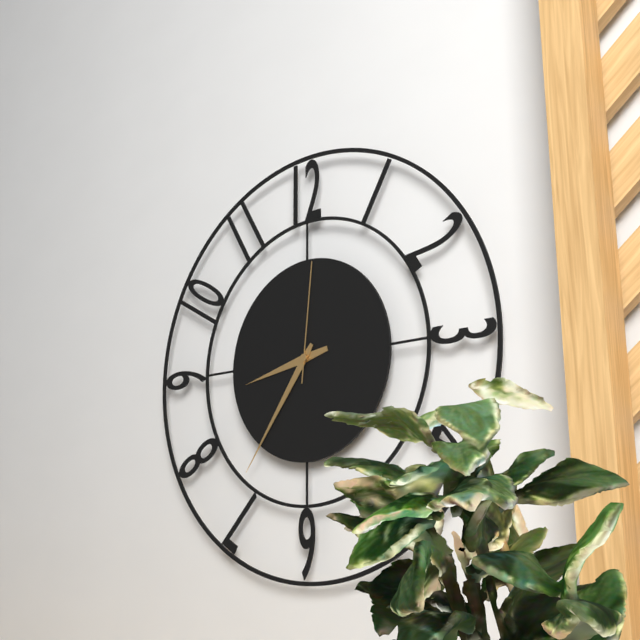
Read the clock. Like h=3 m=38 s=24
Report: h=8 m=36 s=1
